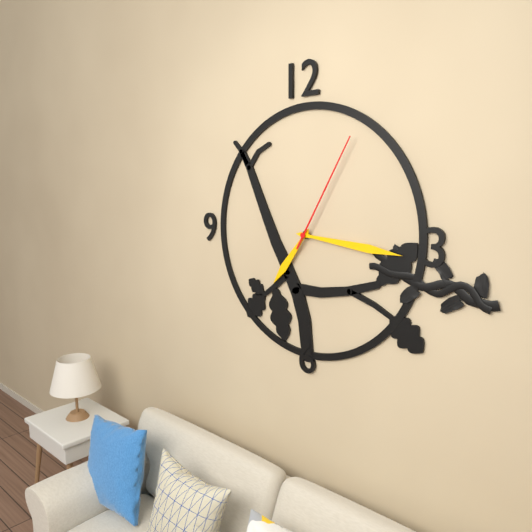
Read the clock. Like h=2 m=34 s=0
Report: h=7 m=16 s=5
